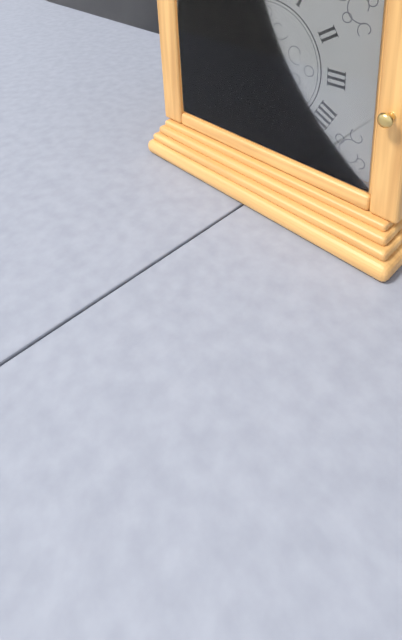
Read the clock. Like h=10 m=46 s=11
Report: h=4 m=25 s=54
